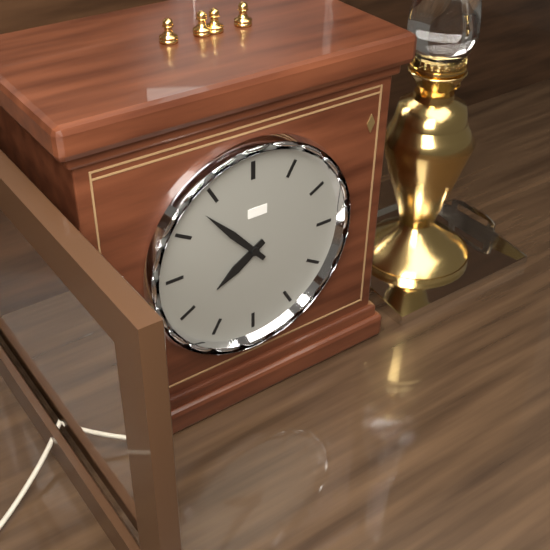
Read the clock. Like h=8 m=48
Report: h=7 m=53
